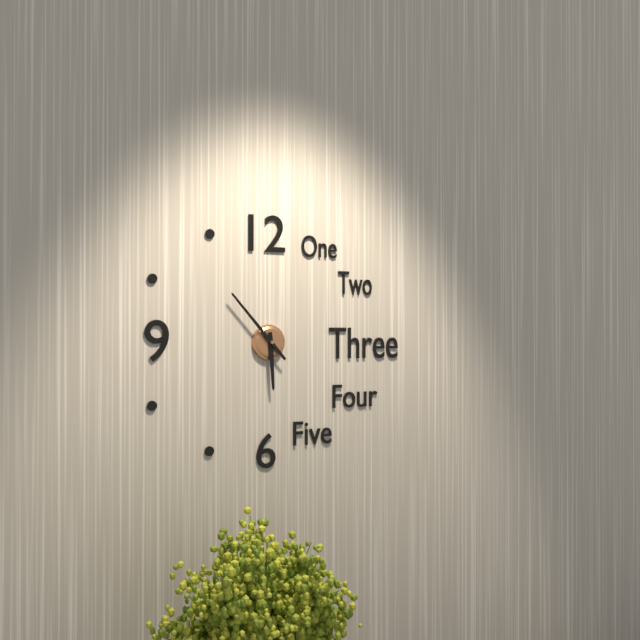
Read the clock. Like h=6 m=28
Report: h=5 m=53
